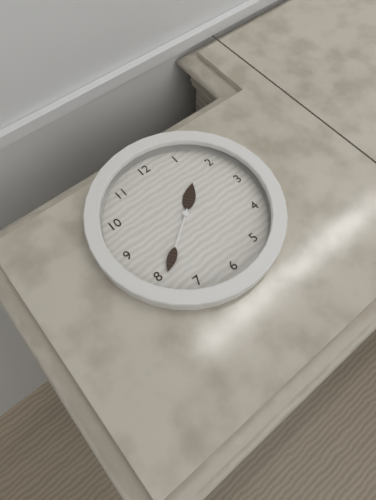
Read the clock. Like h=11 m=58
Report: h=1 m=39
